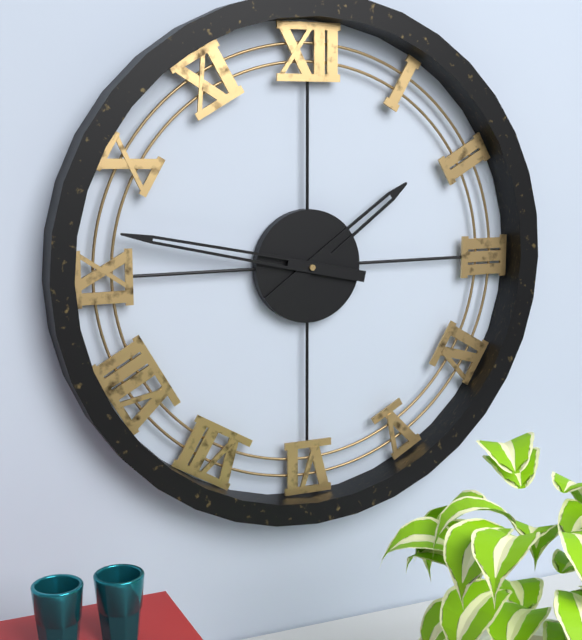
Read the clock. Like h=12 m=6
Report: h=1 m=47
